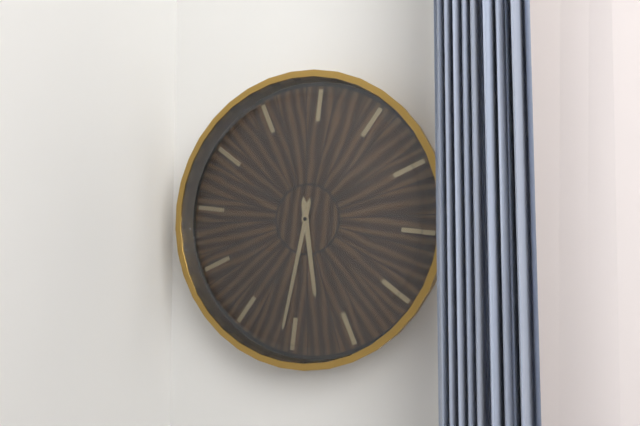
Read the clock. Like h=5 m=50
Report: h=5 m=31
